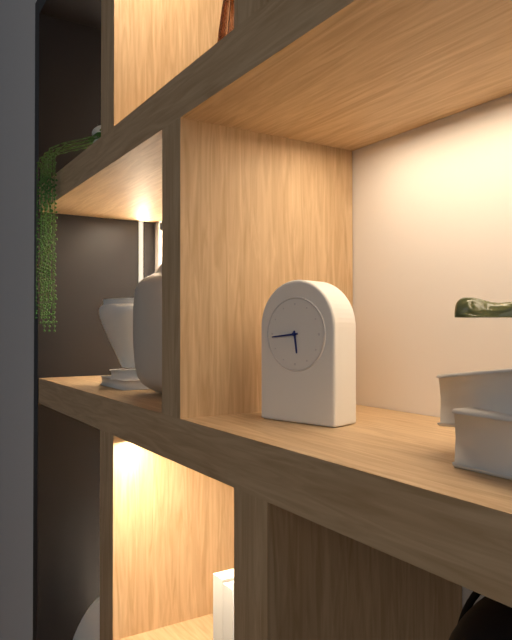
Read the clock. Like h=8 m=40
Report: h=5 m=44
